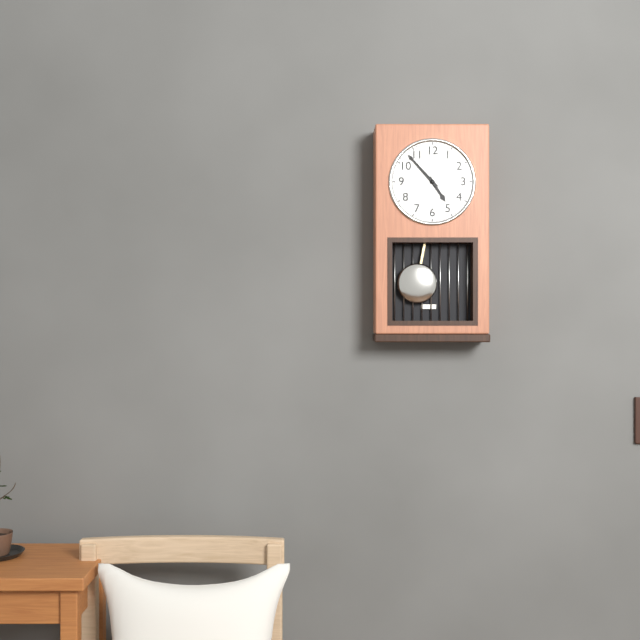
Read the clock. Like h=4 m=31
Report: h=4 m=53
